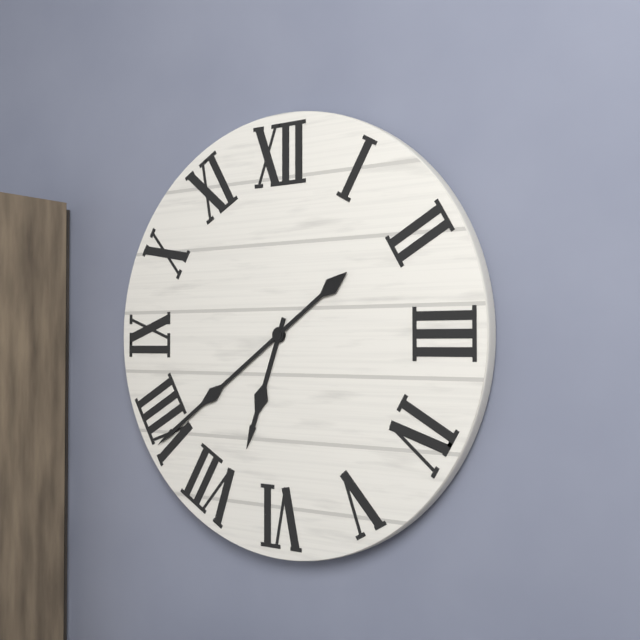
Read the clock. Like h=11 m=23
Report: h=6 m=39
